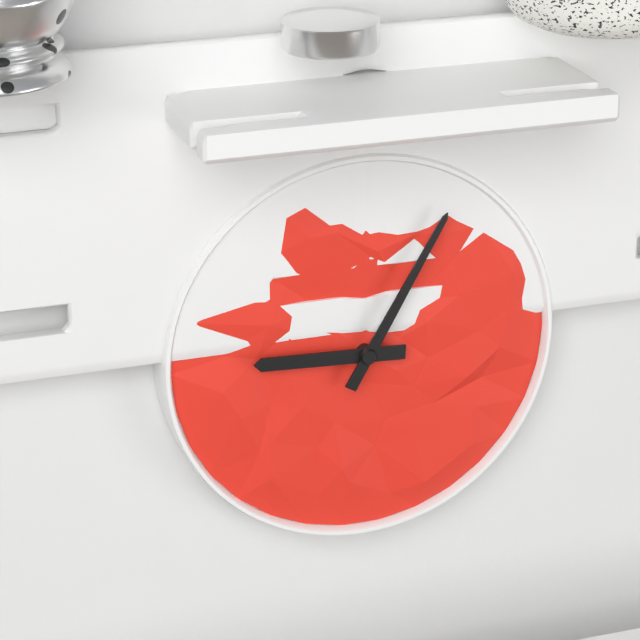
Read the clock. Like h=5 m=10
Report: h=9 m=5
